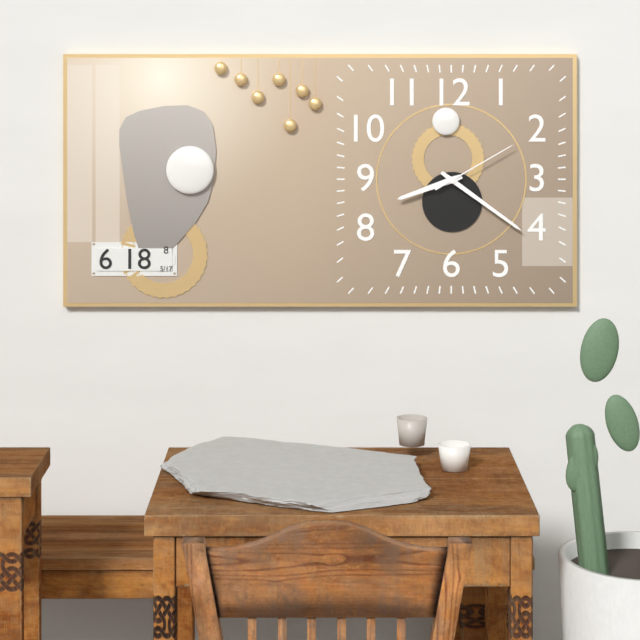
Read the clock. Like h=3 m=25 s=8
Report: h=8 m=21 s=10
